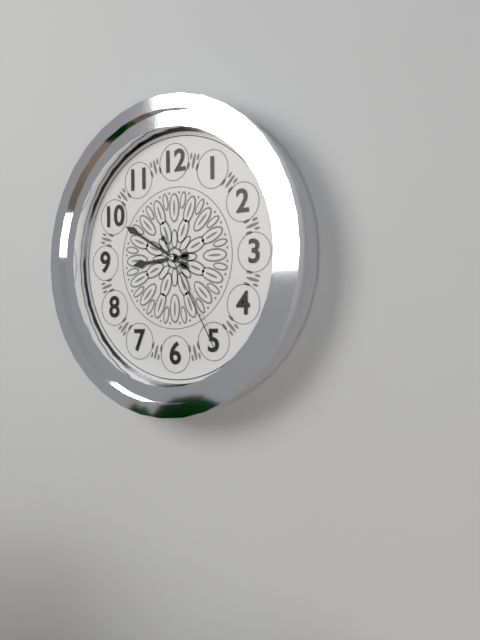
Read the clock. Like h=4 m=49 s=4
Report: h=8 m=50 s=25
